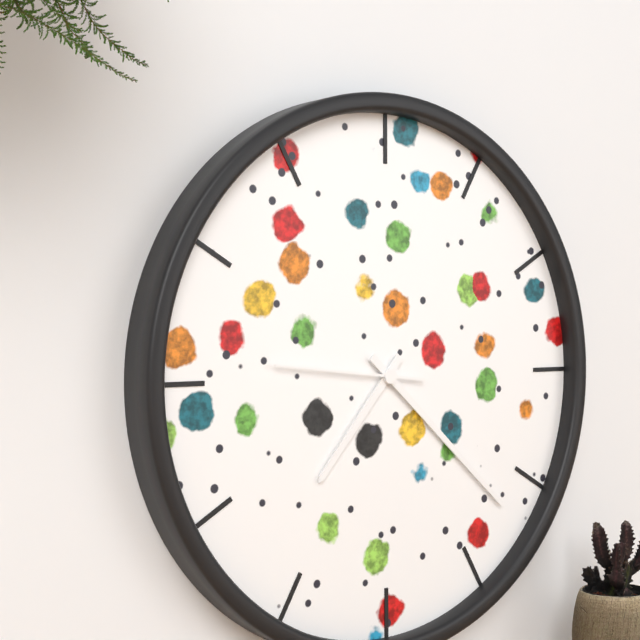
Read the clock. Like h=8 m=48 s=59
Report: h=7 m=22 s=46
